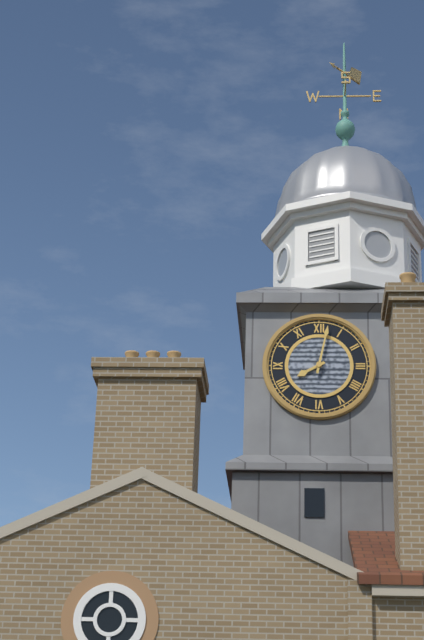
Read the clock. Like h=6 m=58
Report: h=8 m=2
